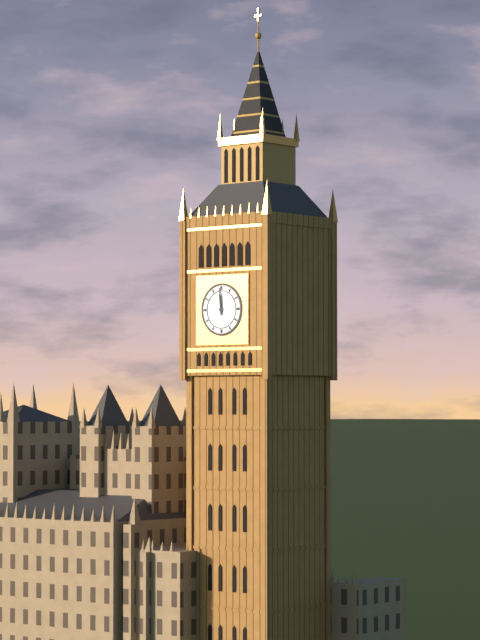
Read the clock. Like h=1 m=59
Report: h=11 m=59
